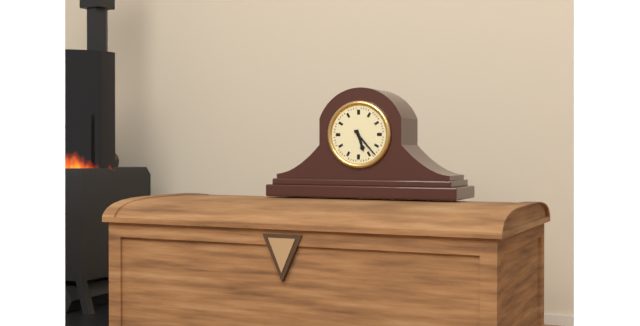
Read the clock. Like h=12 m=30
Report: h=5 m=23
